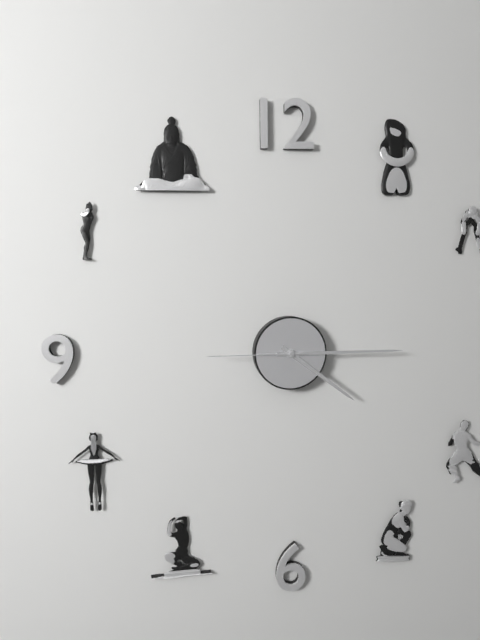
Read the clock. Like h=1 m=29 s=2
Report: h=4 m=15 s=45
